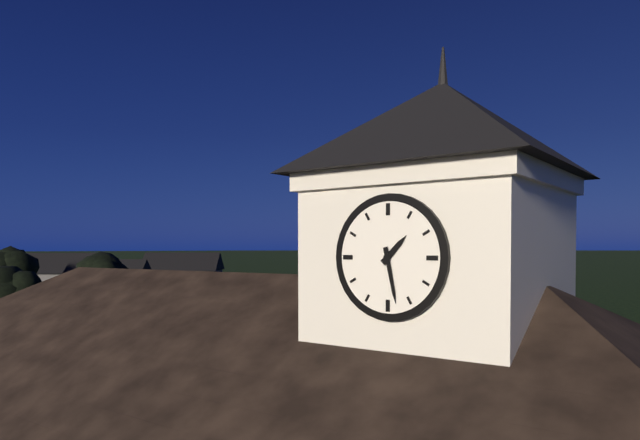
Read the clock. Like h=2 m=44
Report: h=1 m=28
